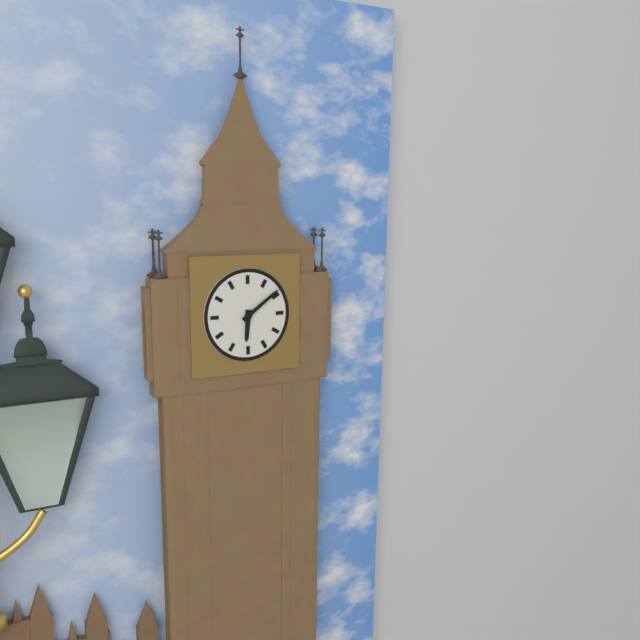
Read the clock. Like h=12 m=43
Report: h=6 m=9
